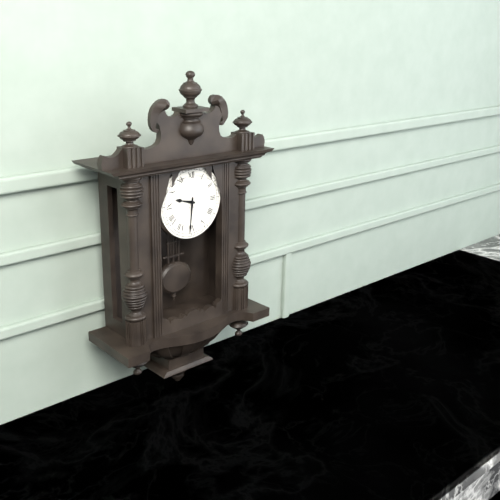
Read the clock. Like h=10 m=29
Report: h=9 m=31
